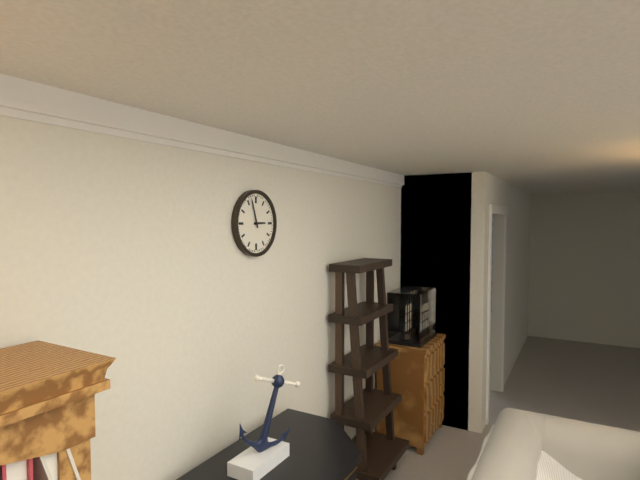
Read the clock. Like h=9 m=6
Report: h=2 m=57
